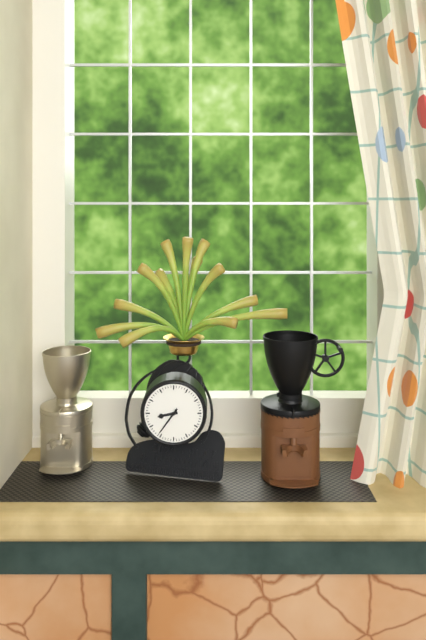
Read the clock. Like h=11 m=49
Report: h=8 m=36
